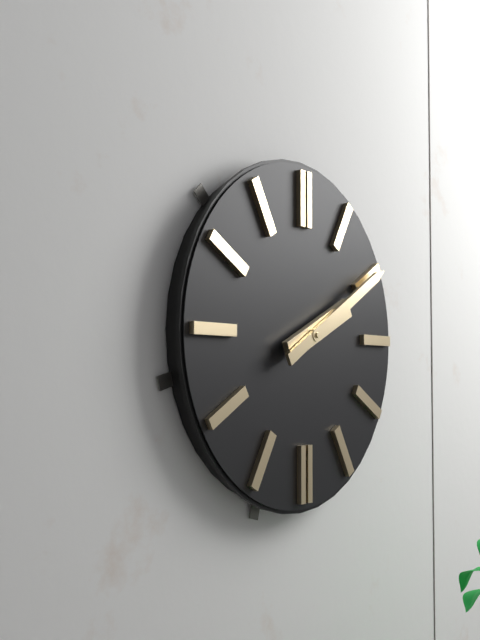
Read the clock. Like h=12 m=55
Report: h=2 m=10
